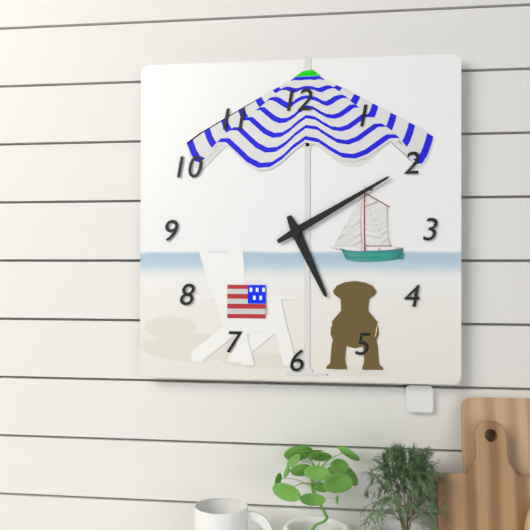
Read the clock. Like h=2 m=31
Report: h=5 m=10
